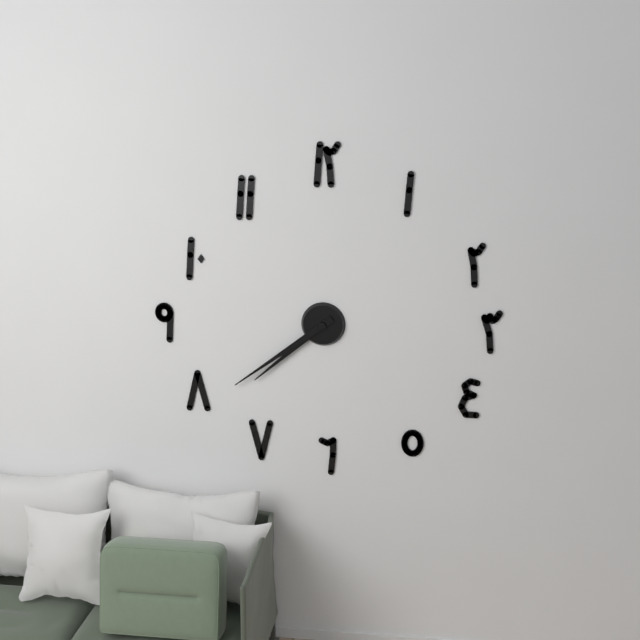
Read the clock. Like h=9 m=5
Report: h=7 m=39
